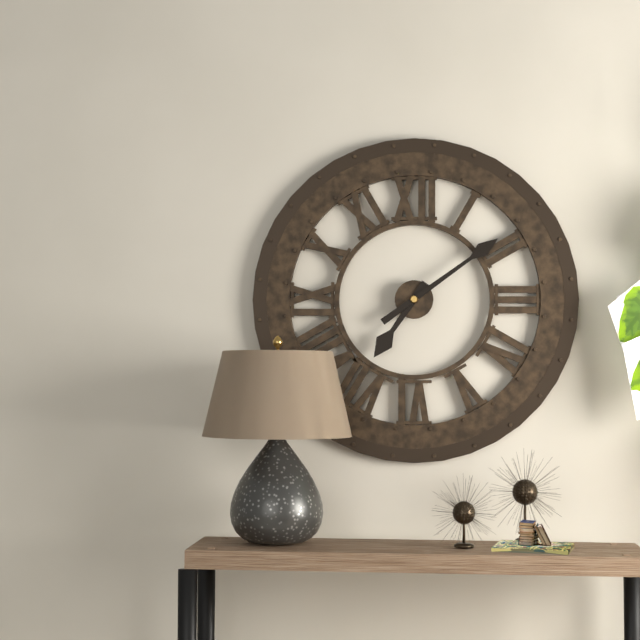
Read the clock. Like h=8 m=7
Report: h=7 m=9
